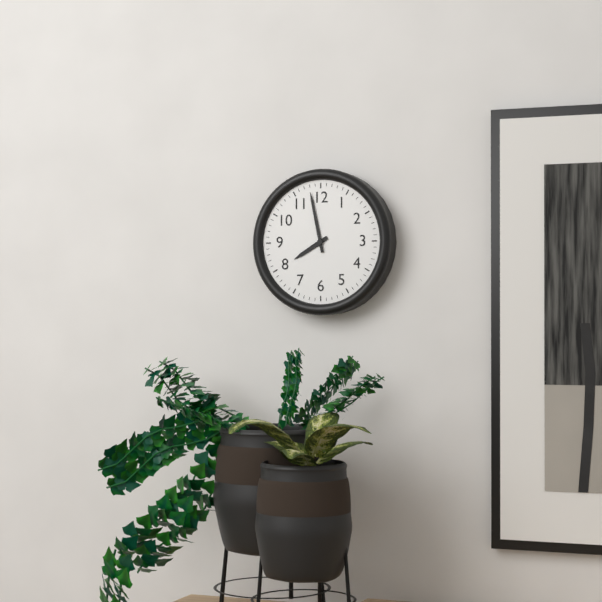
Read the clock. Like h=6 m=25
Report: h=7 m=58
